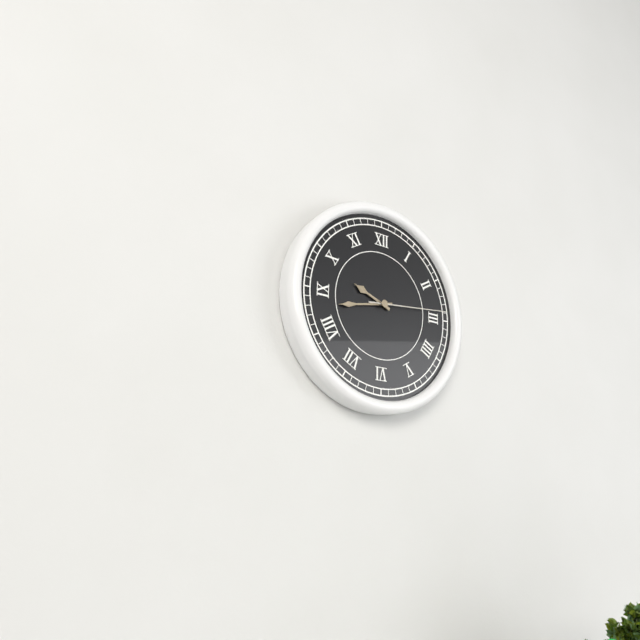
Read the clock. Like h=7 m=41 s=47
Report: h=9 m=43 s=14
